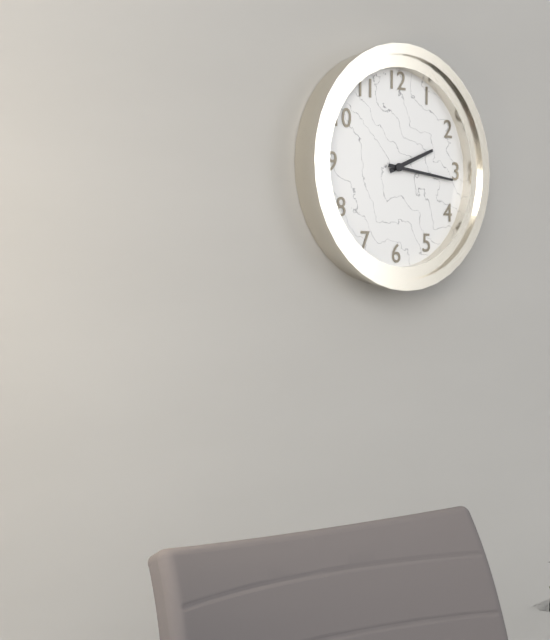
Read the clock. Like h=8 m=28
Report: h=2 m=16
